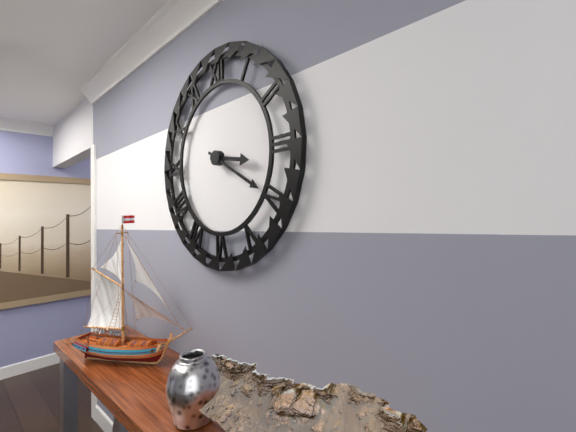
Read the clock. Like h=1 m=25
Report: h=3 m=20
